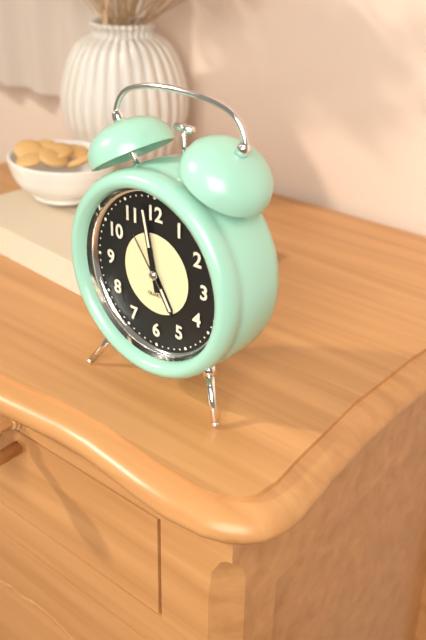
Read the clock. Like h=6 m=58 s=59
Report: h=4 m=58 s=54
